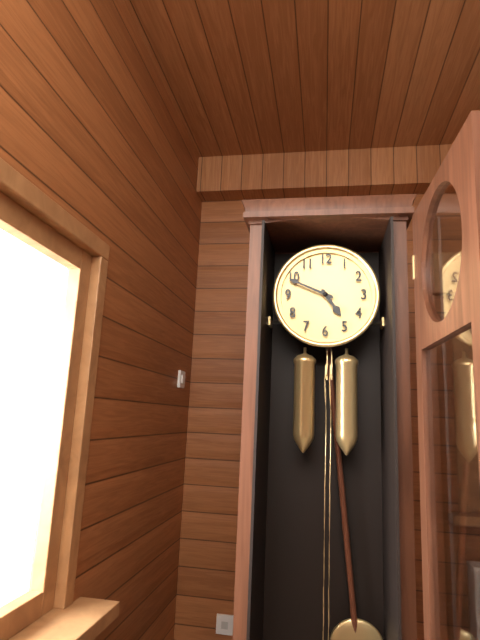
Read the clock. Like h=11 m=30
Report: h=4 m=49
